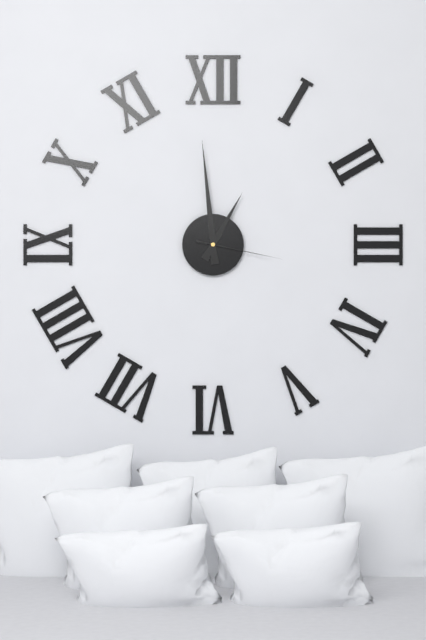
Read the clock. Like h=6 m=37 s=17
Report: h=12 m=59 s=17
